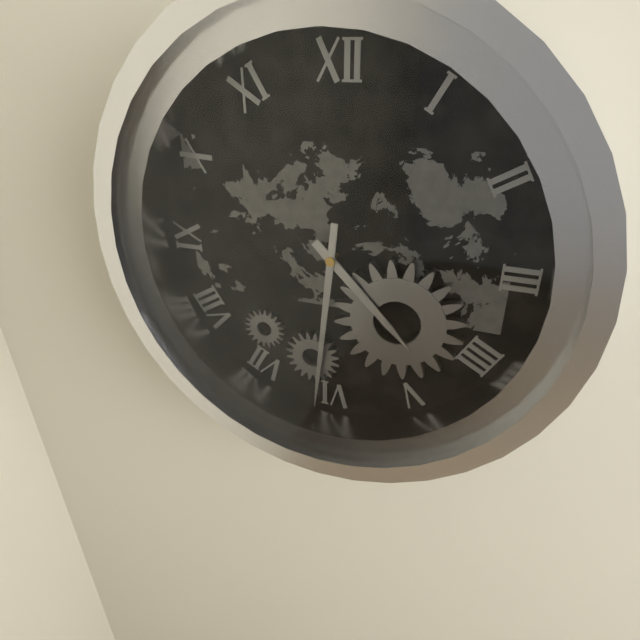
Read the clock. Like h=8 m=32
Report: h=4 m=31
